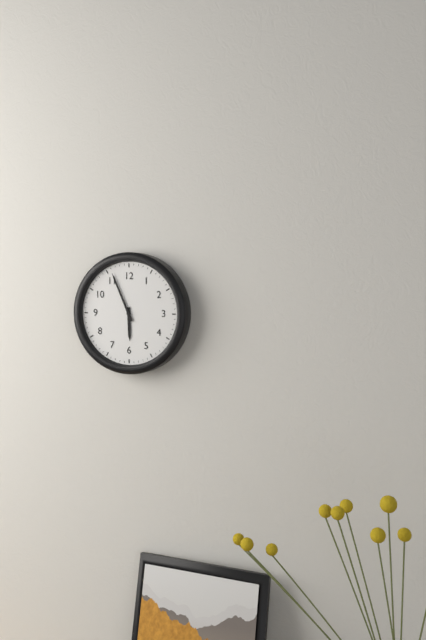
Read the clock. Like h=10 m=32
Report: h=5 m=56
